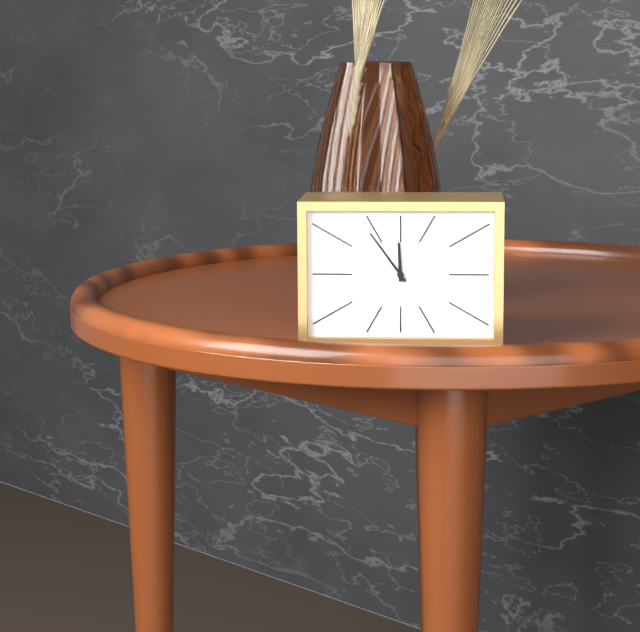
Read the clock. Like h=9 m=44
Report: h=11 m=54
